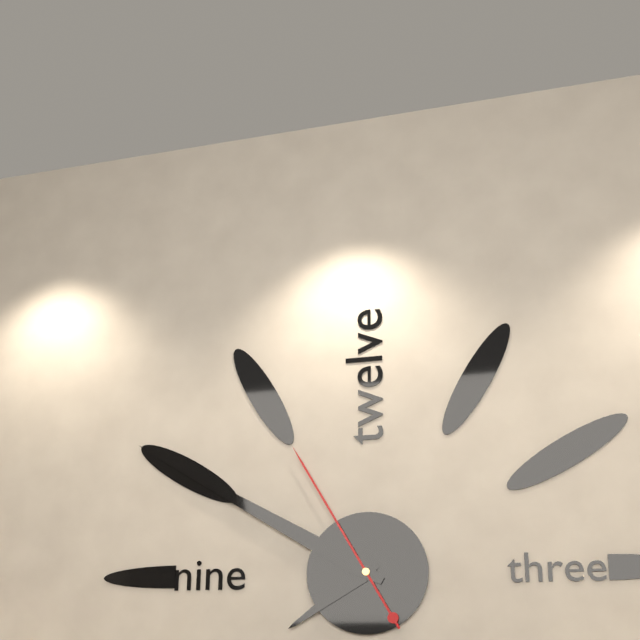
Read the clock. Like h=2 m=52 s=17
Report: h=7 m=50 s=55
